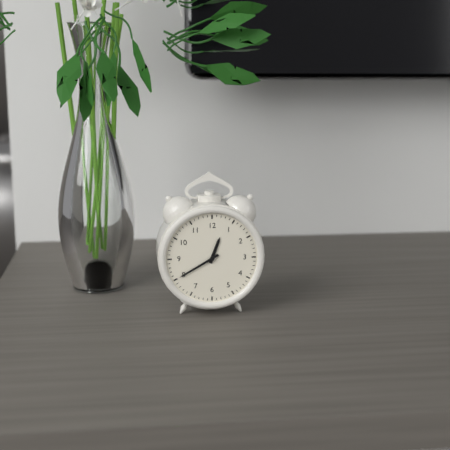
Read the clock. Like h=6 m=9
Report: h=12 m=40
